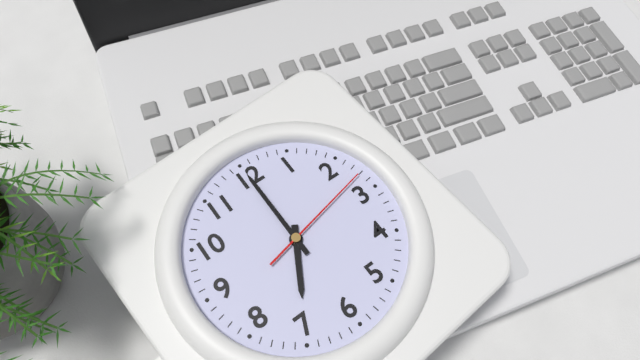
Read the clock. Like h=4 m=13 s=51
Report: h=7 m=0 s=13
